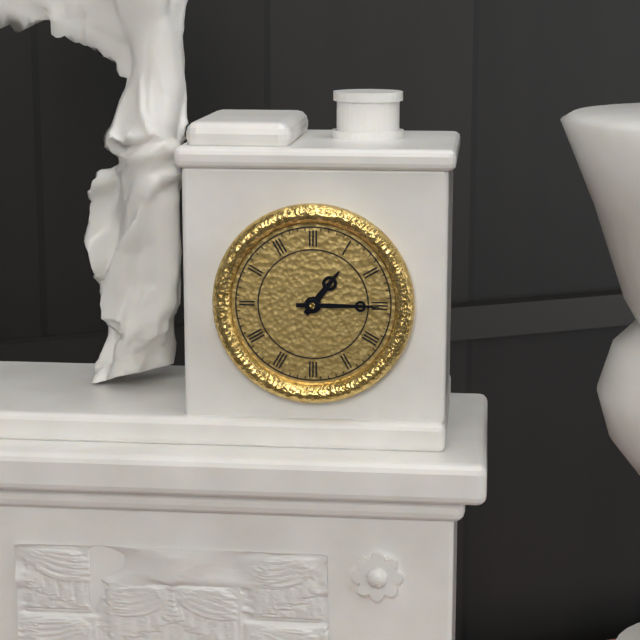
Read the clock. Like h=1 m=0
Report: h=1 m=15
